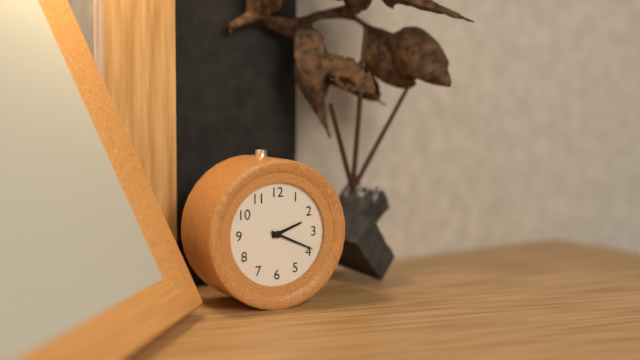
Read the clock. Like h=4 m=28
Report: h=2 m=19
